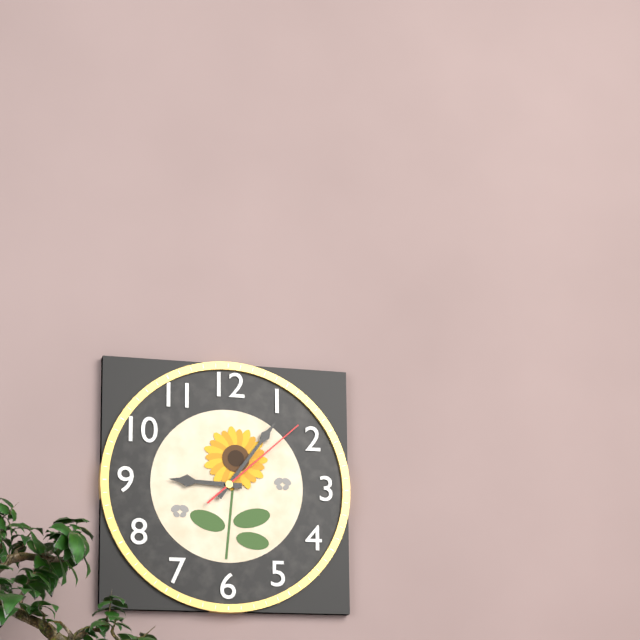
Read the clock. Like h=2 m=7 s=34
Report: h=9 m=6 s=8
